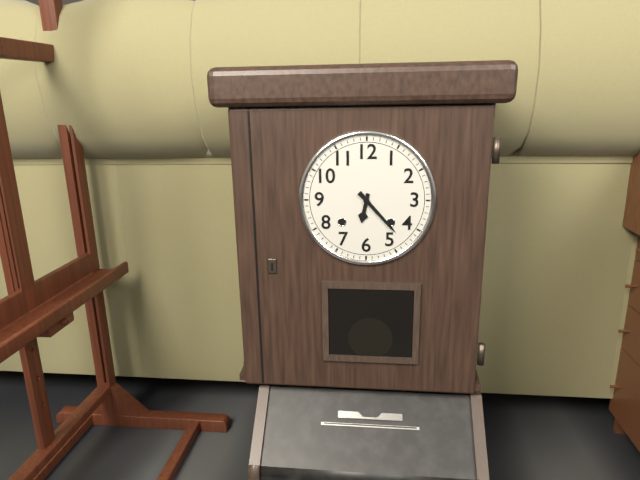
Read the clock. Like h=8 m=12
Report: h=6 m=23
